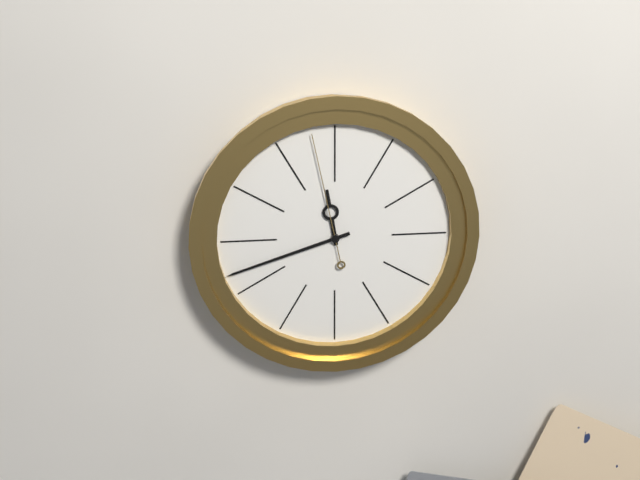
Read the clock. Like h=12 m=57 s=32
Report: h=11 m=42 s=58
